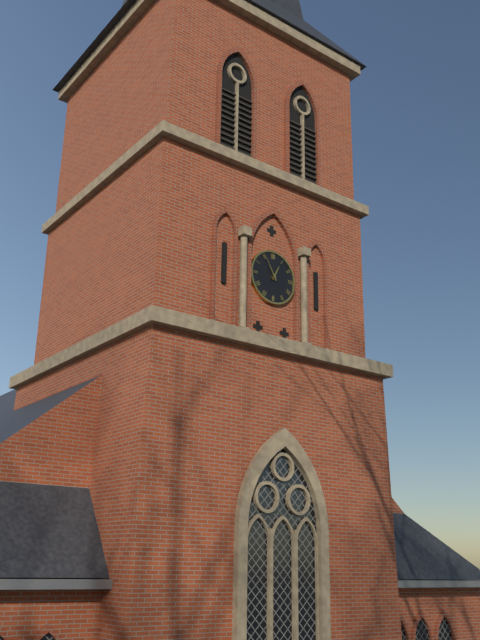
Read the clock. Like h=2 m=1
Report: h=12 m=55
